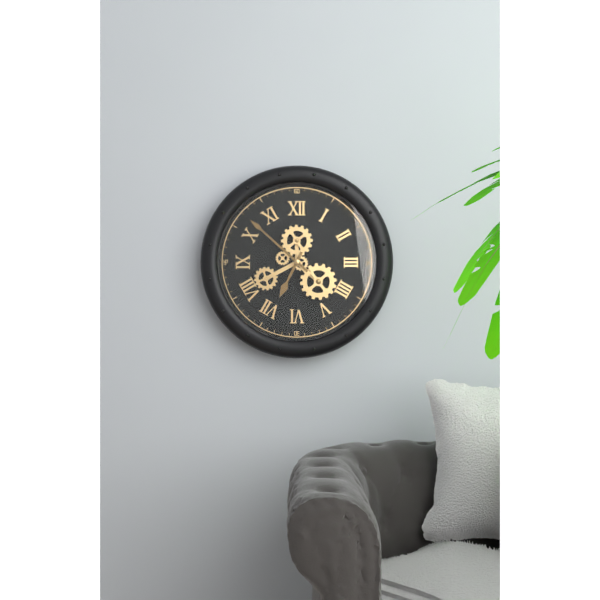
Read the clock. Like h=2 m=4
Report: h=6 m=52
